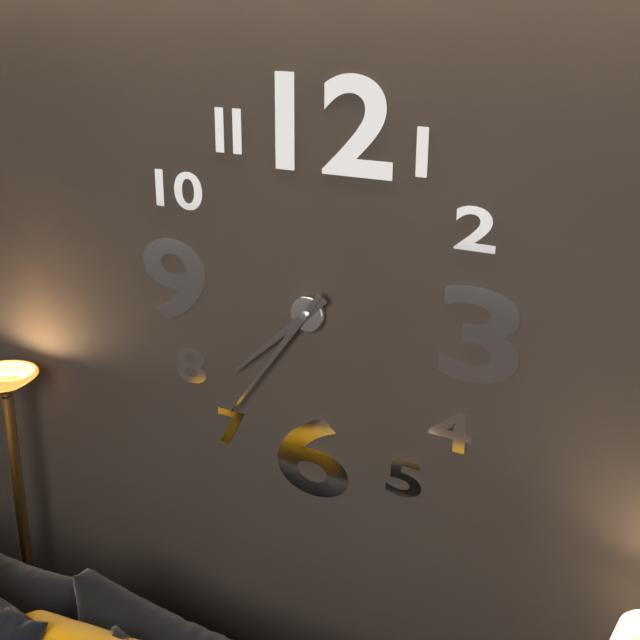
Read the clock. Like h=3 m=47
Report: h=7 m=36
